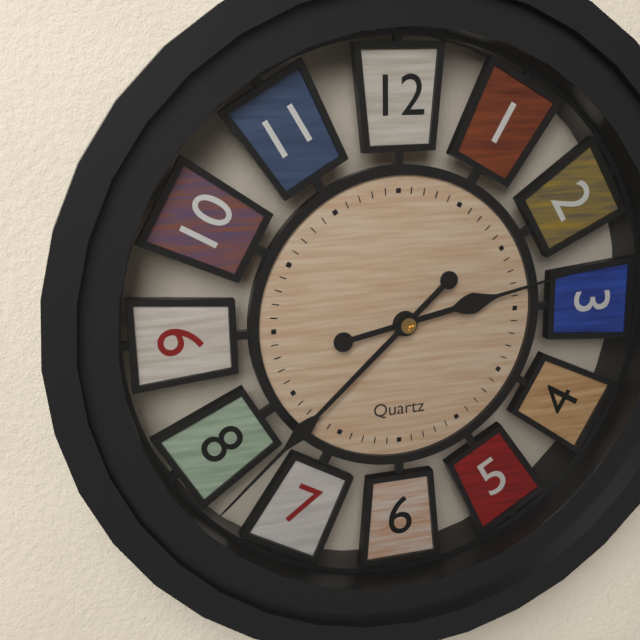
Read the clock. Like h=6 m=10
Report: h=2 m=38
